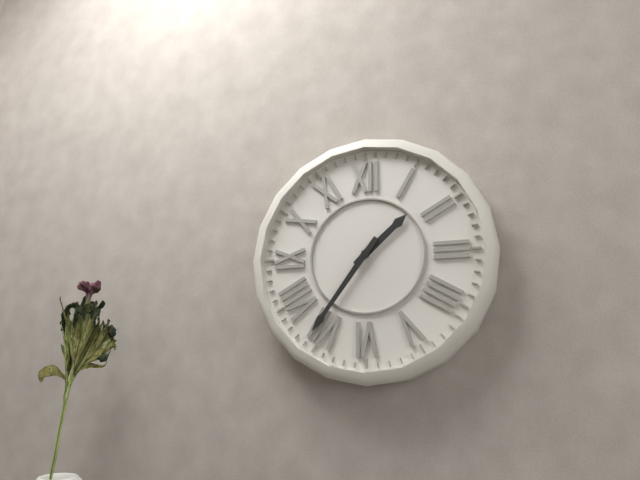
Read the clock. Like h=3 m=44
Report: h=1 m=36
